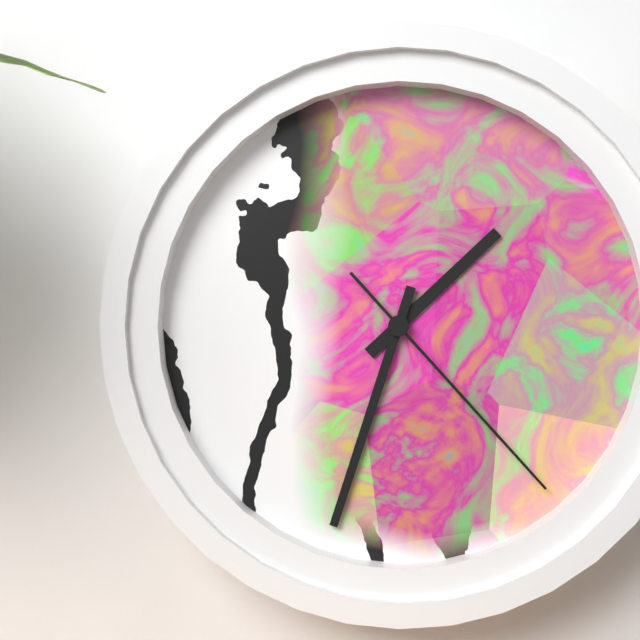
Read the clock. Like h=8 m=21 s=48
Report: h=1 m=33 s=23
